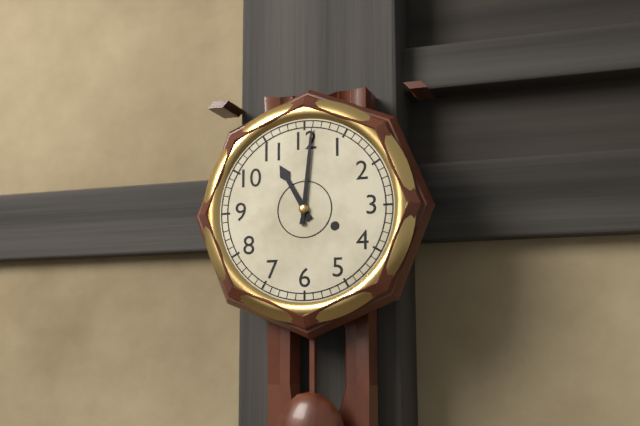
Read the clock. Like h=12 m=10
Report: h=11 m=1
